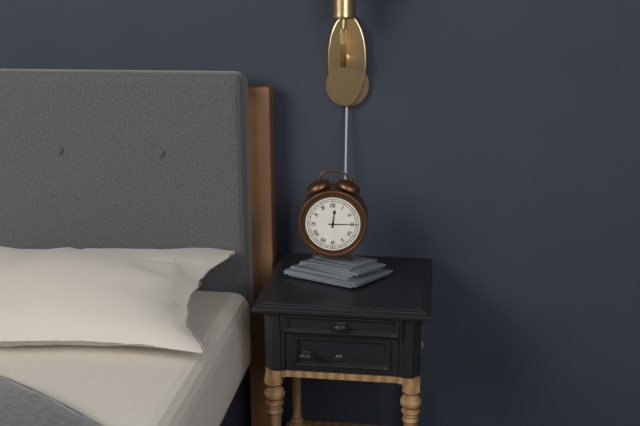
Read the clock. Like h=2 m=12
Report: h=12 m=15
